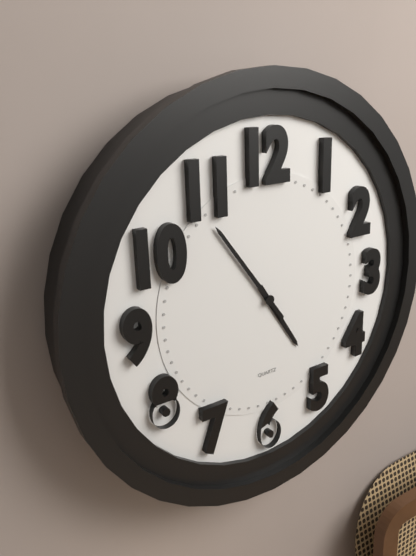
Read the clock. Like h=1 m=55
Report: h=4 m=54
